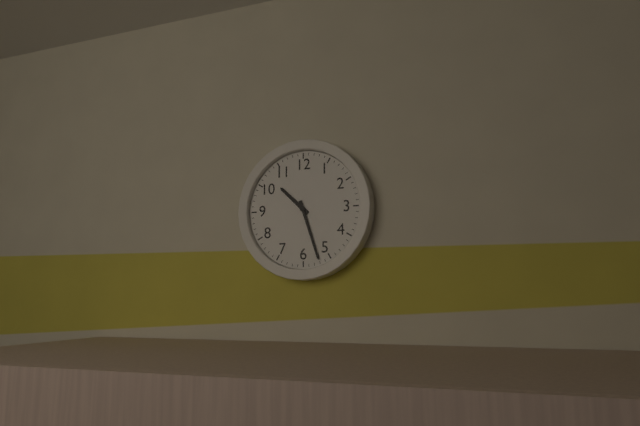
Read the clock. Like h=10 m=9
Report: h=10 m=27
